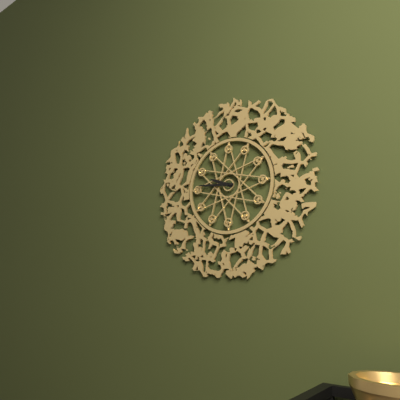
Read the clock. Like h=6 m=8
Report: h=9 m=46
